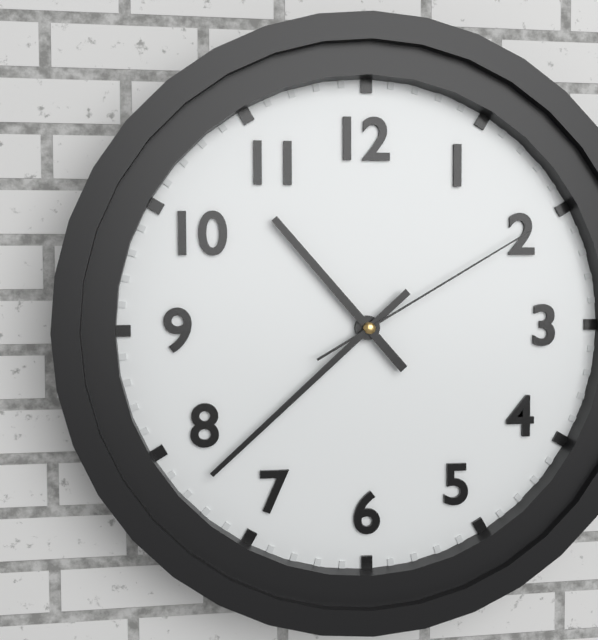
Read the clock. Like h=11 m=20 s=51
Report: h=10 m=38 s=10
